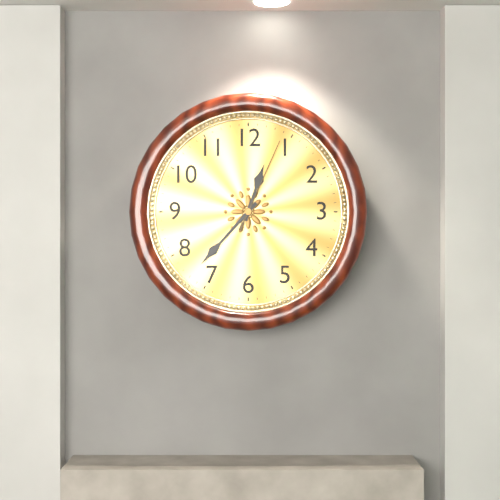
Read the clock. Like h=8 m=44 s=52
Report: h=12 m=37 s=4
